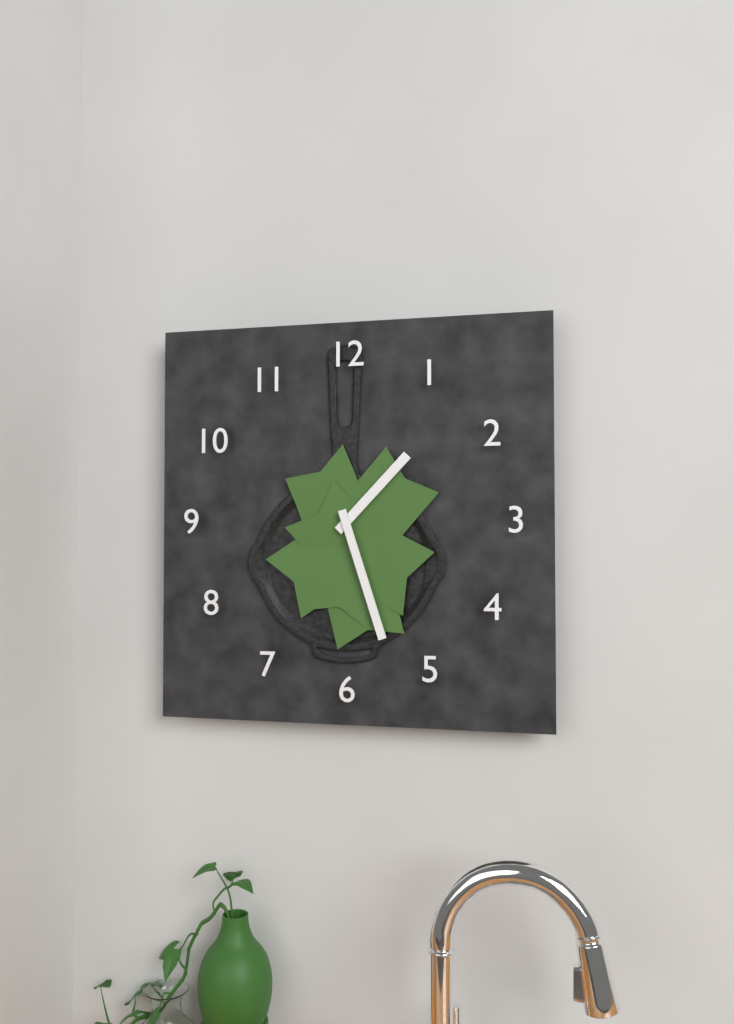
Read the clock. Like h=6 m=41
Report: h=1 m=27
